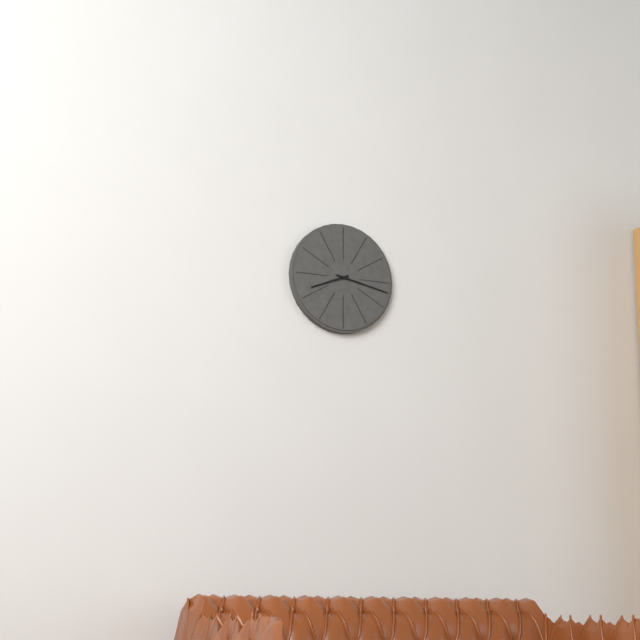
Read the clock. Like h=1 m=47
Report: h=8 m=17
